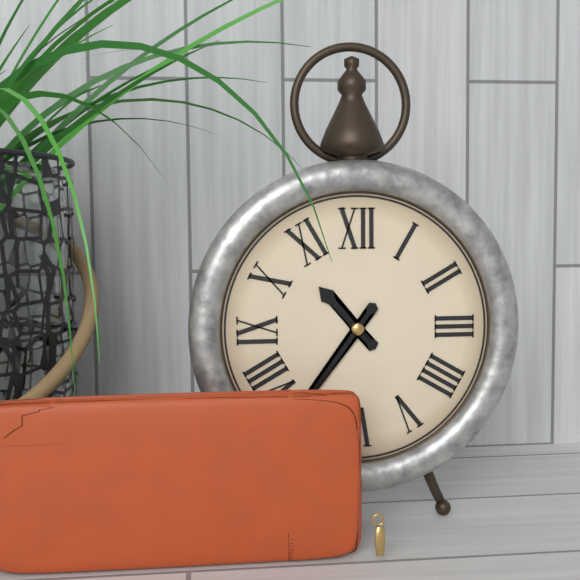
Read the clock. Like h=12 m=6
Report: h=10 m=36
